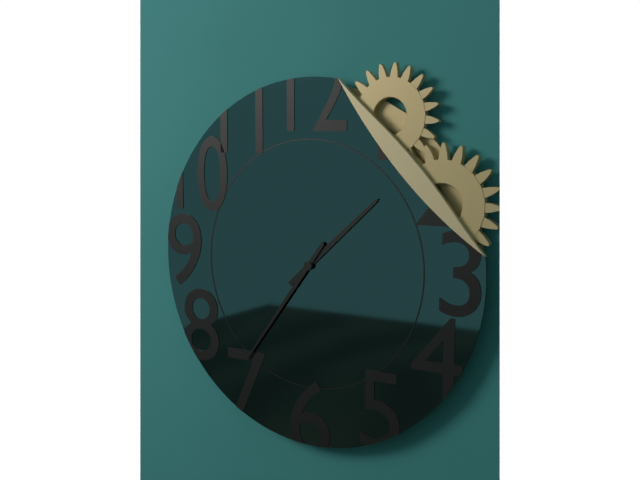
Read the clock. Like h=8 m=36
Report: h=1 m=36
